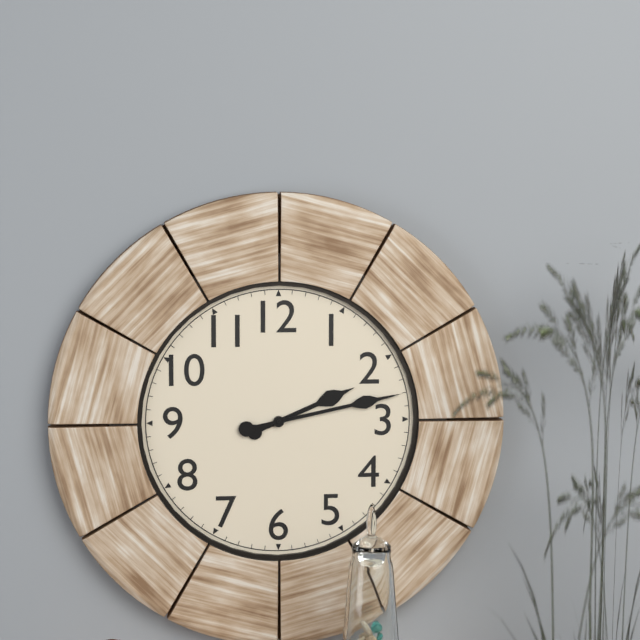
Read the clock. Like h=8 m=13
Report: h=2 m=13
